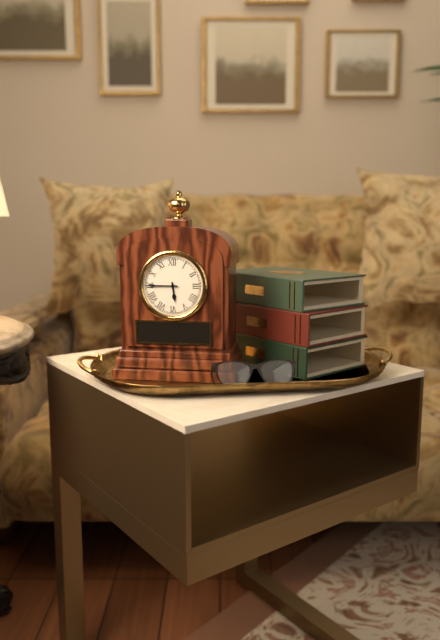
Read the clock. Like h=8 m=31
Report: h=5 m=45
